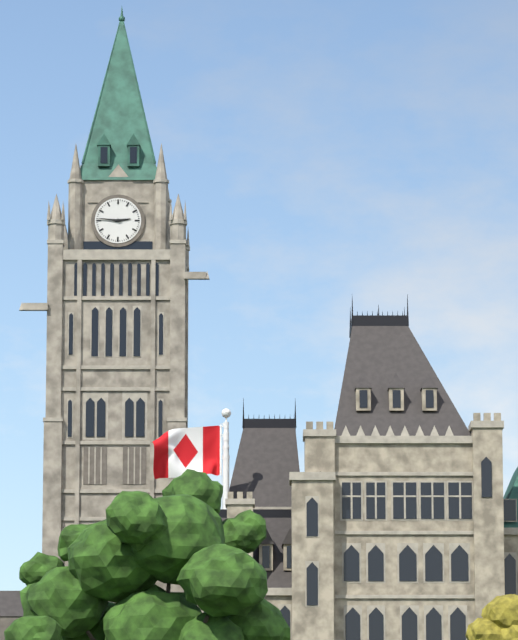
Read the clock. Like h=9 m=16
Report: h=2 m=46
